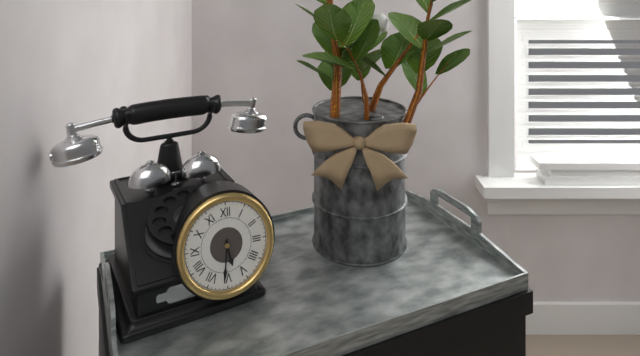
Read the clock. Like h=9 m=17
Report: h=5 m=31
